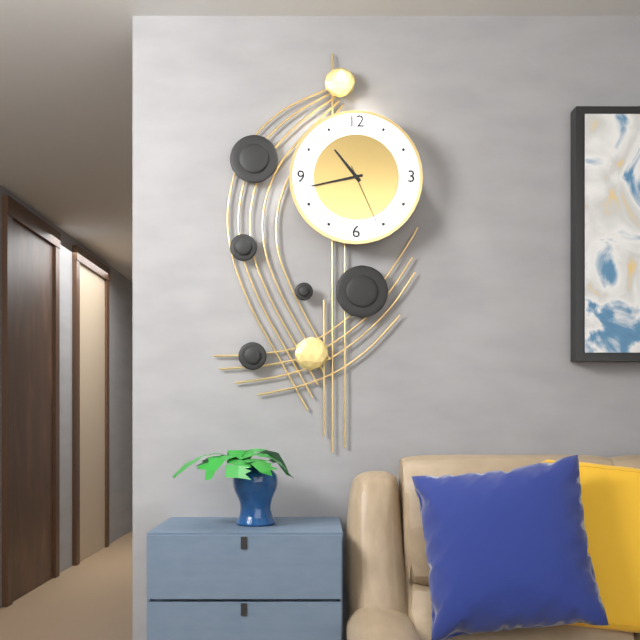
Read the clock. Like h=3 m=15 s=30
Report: h=10 m=43 s=26
